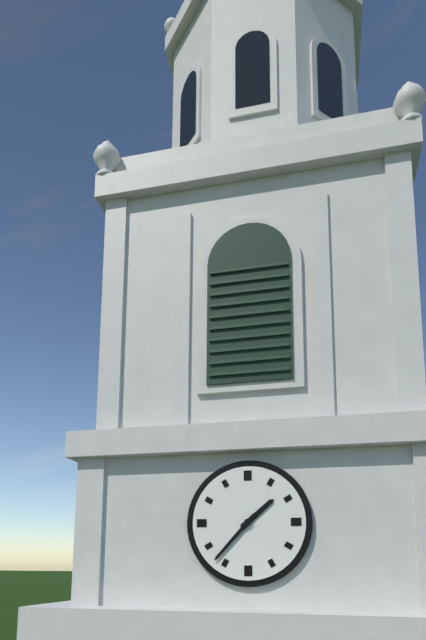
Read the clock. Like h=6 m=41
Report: h=1 m=37
